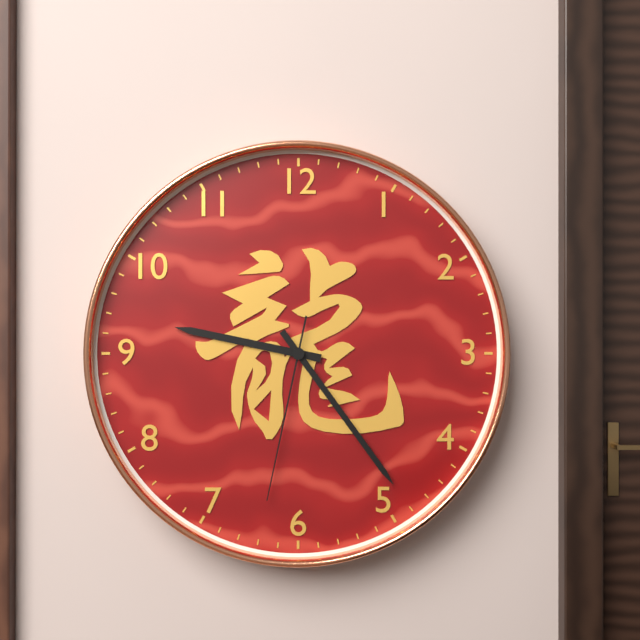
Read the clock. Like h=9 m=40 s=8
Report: h=9 m=24 s=32
